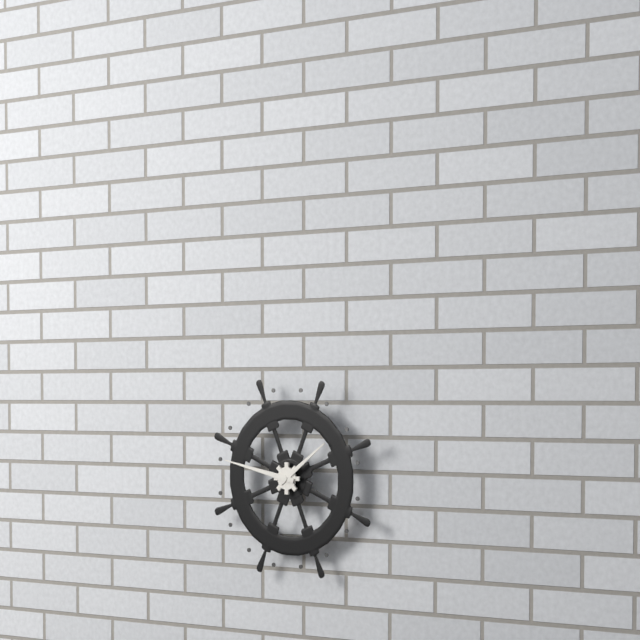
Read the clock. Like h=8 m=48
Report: h=1 m=47
